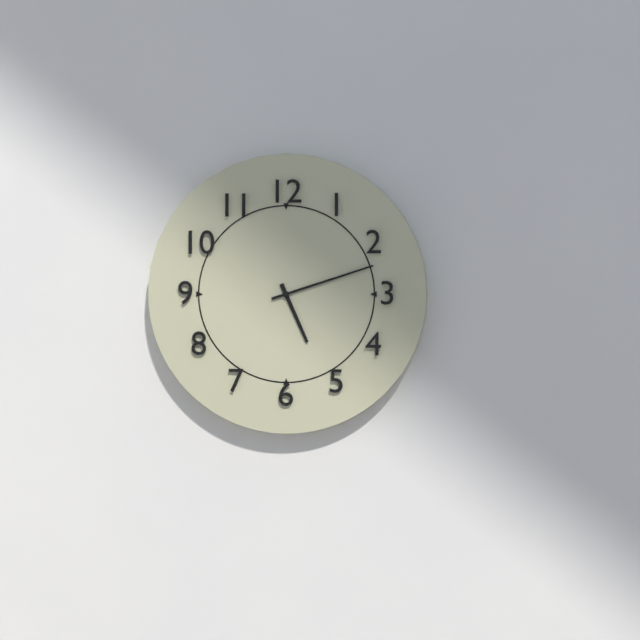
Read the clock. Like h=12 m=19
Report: h=5 m=12
